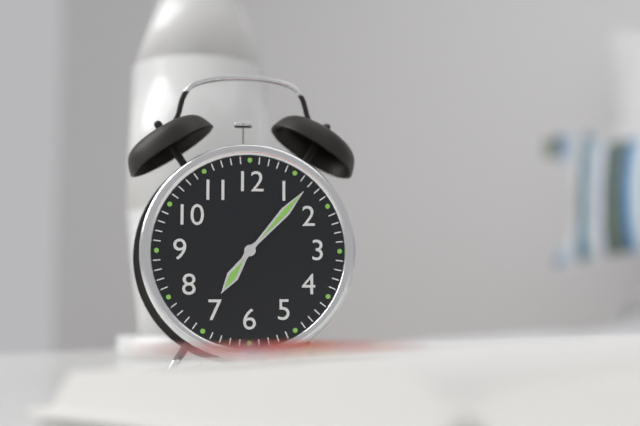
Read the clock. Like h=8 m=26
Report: h=7 m=7
